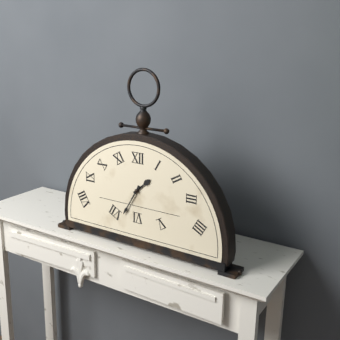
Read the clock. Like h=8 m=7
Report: h=1 m=35
